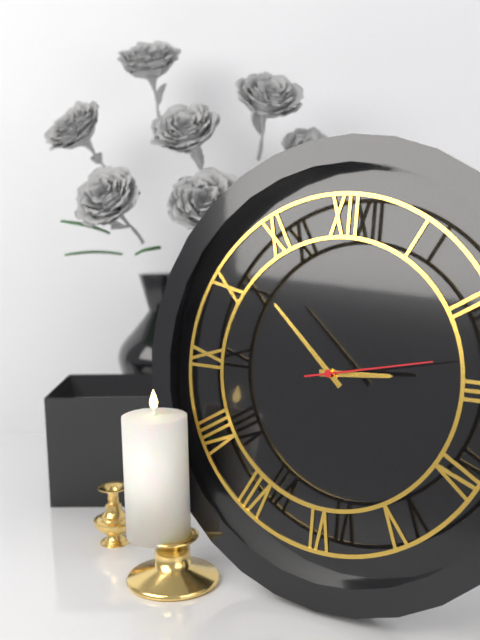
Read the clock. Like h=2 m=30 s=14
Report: h=2 m=52 s=13
